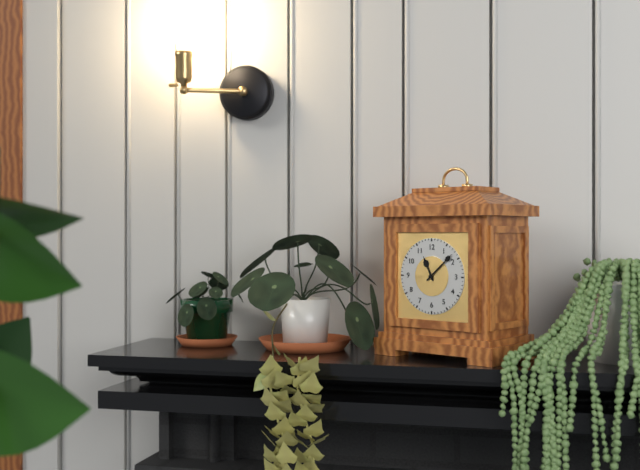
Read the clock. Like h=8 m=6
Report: h=11 m=8
